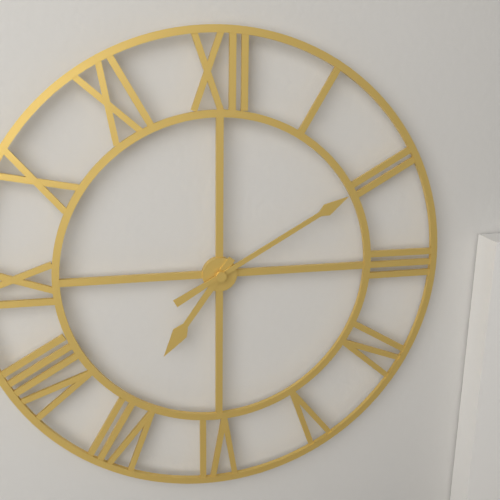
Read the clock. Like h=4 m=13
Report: h=7 m=10
